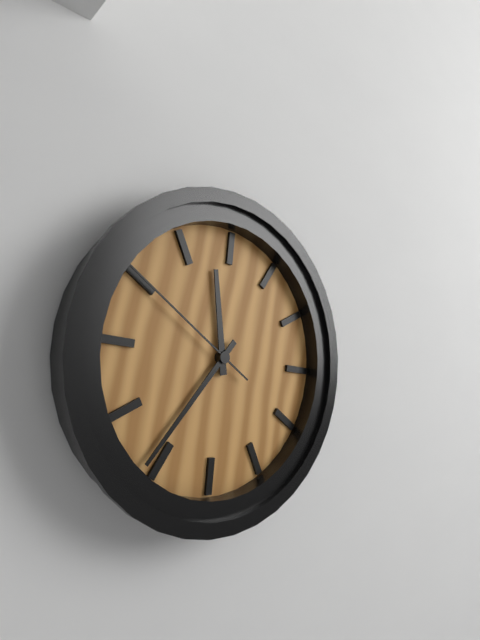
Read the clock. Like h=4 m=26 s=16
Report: h=11 m=36 s=50
